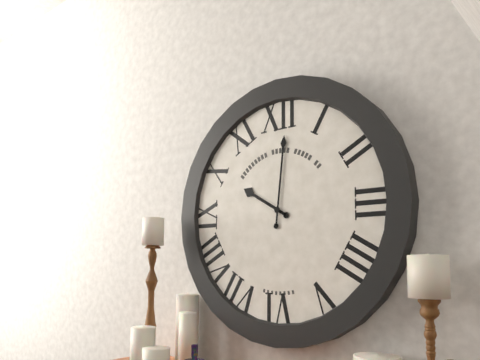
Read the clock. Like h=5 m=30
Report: h=10 m=1
